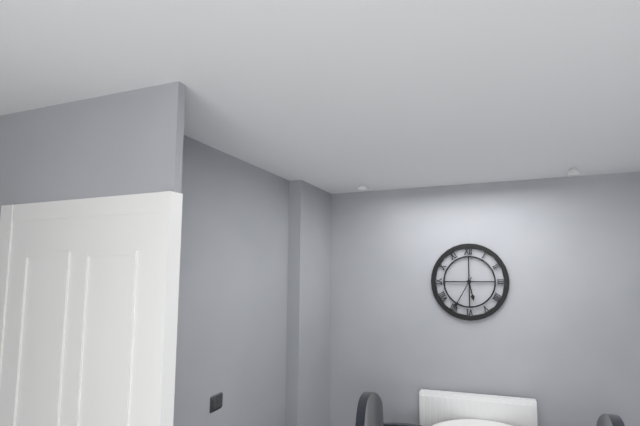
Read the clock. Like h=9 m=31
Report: h=5 m=35
